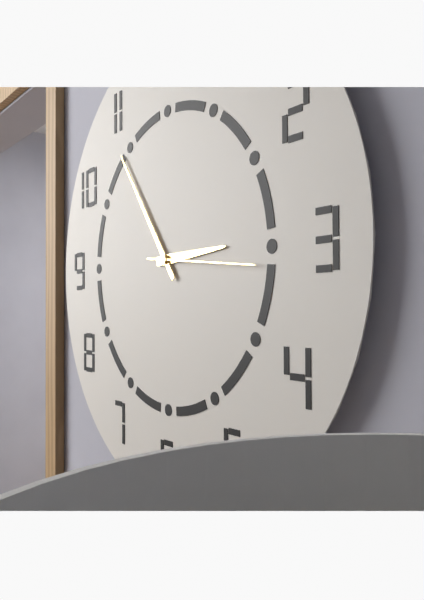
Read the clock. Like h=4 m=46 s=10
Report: h=2 m=54 s=16
